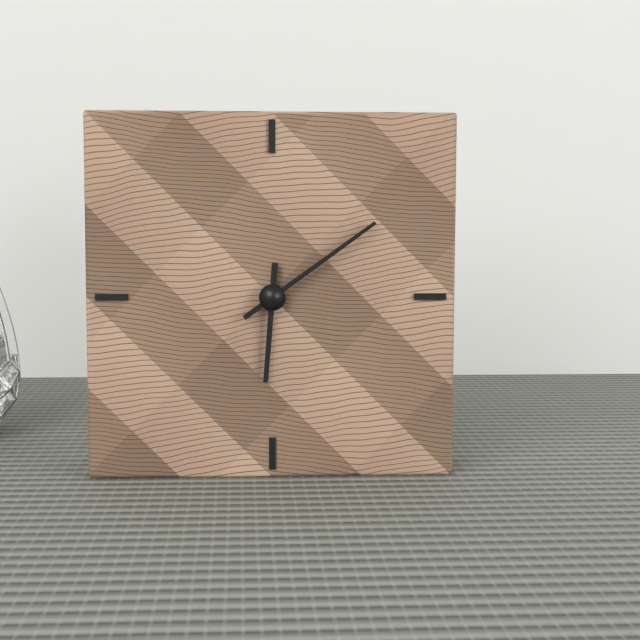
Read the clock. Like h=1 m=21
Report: h=6 m=9
